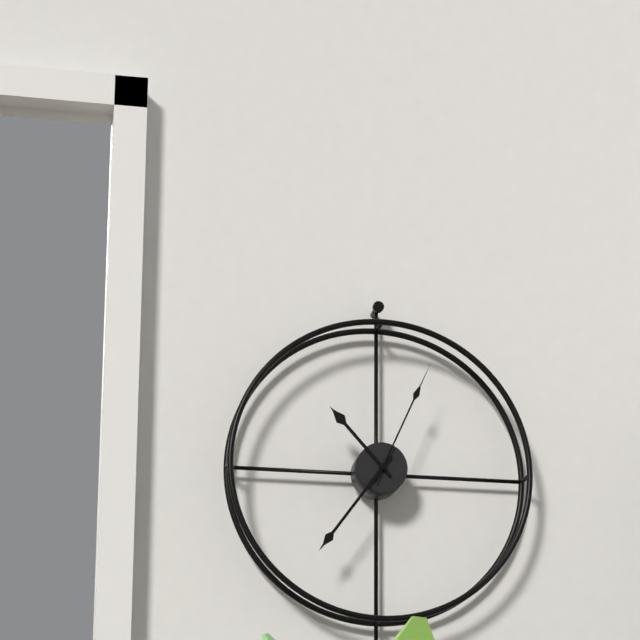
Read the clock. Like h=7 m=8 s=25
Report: h=10 m=36 s=4
